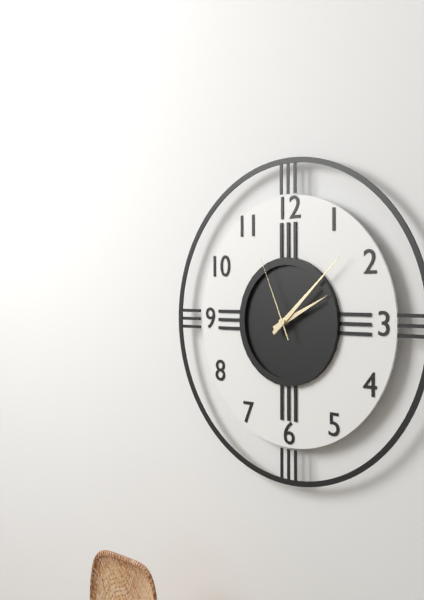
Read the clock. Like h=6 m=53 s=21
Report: h=2 m=8 s=56
